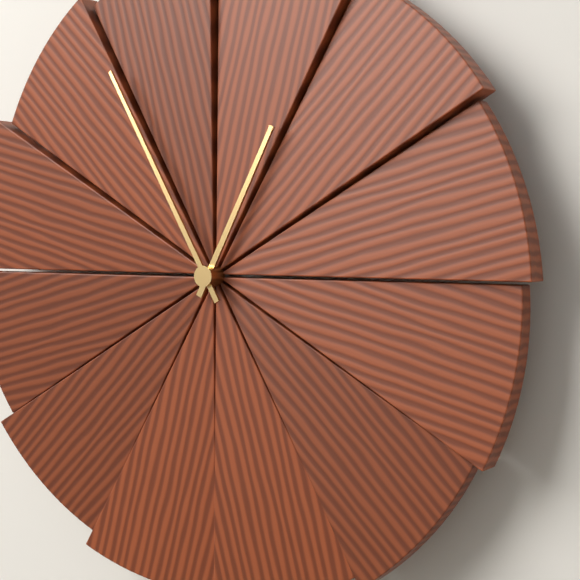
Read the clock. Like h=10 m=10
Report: h=12 m=55
